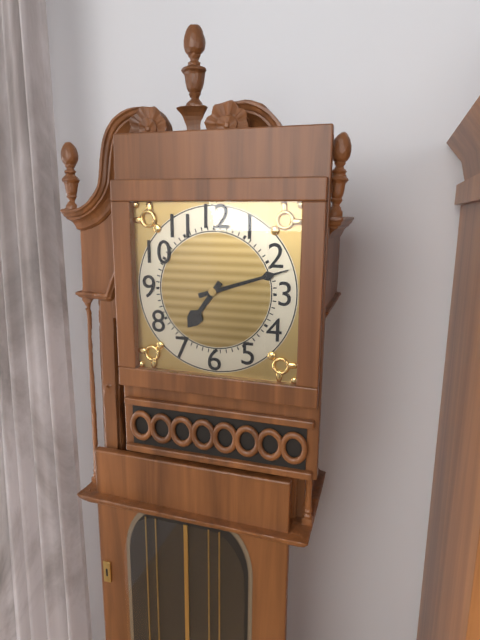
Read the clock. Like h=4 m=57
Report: h=7 m=12
